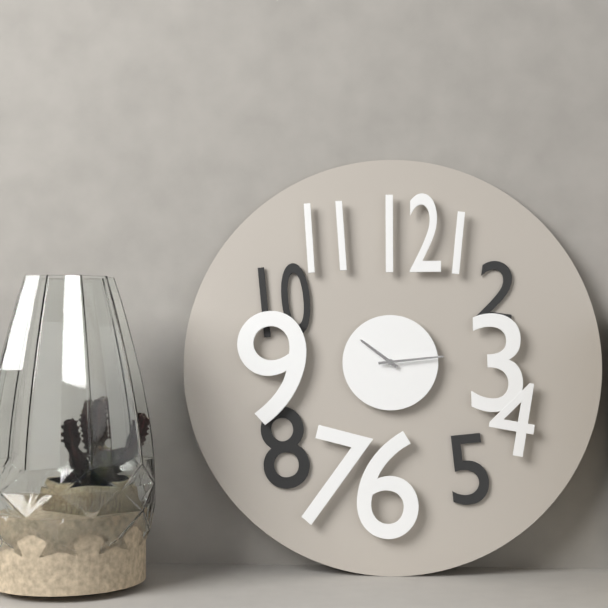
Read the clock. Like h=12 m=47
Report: h=10 m=14
